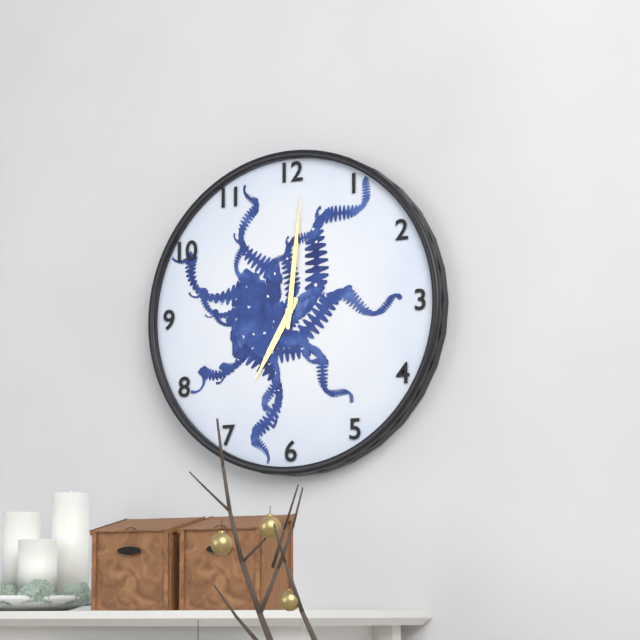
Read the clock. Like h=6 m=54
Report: h=7 m=1
